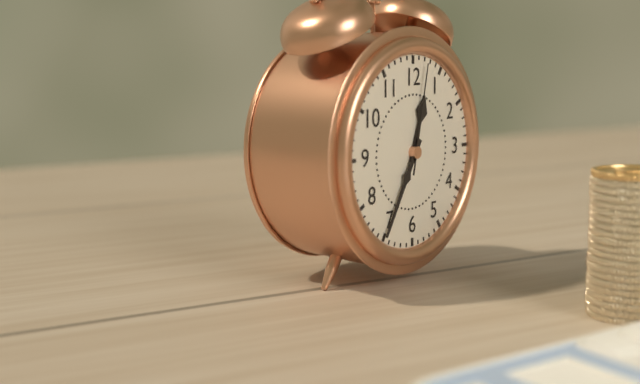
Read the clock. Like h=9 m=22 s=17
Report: h=12 m=35 s=2
